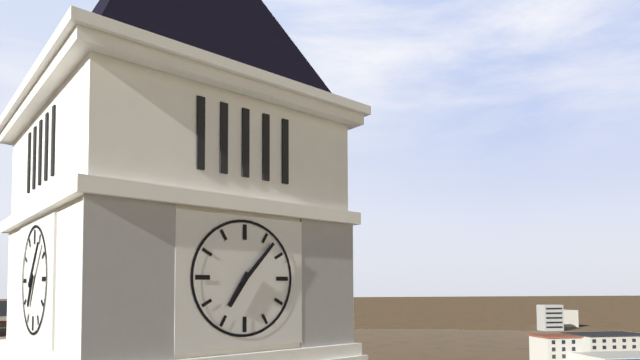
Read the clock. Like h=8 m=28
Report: h=7 m=7
